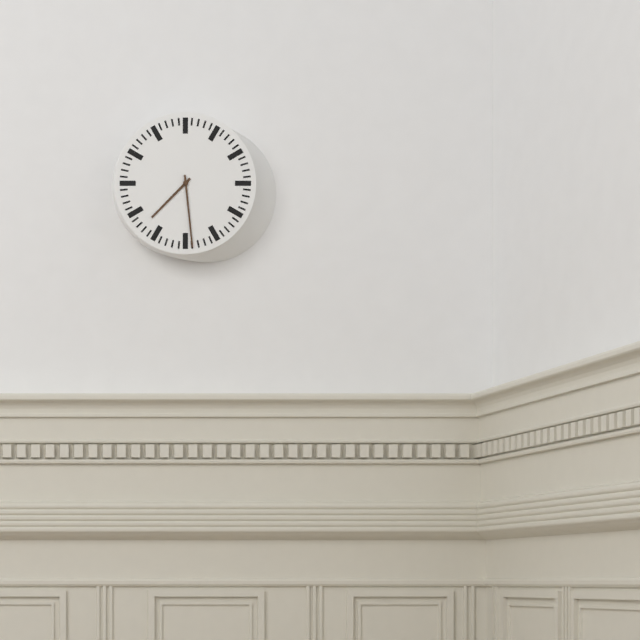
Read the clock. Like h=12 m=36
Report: h=7 m=29
